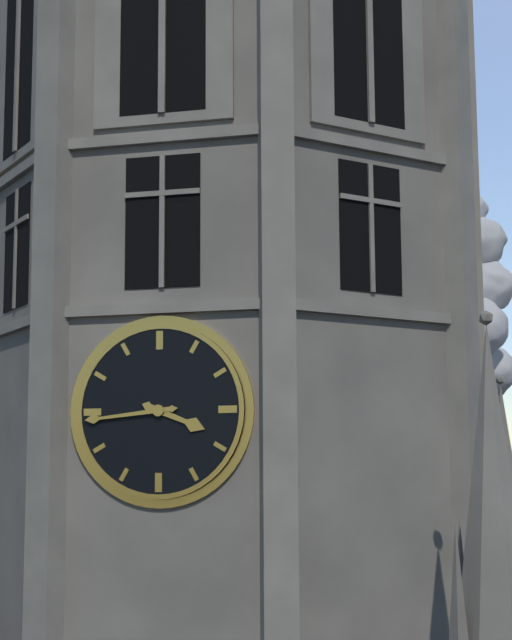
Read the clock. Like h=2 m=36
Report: h=3 m=44
